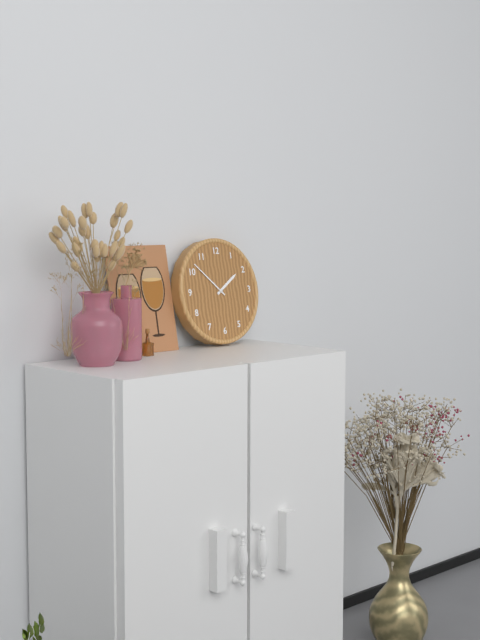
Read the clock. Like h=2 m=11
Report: h=1 m=52
